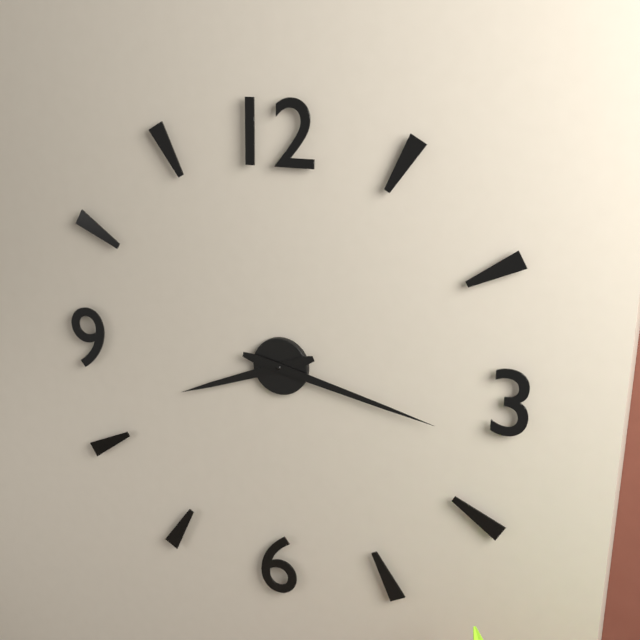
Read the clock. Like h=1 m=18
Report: h=8 m=17
